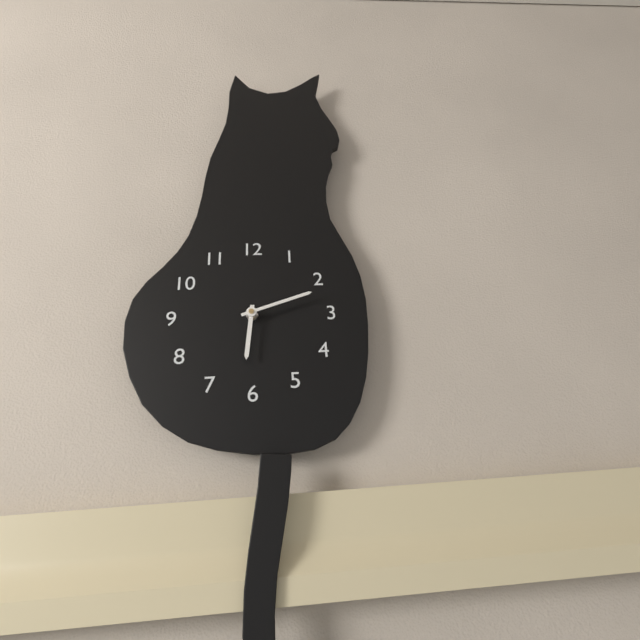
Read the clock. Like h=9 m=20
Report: h=6 m=12
